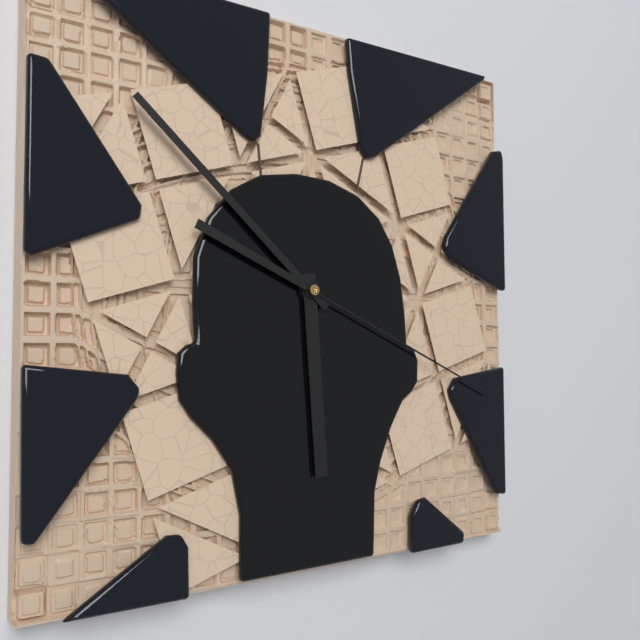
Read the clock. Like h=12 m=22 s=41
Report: h=5 m=52 s=19
